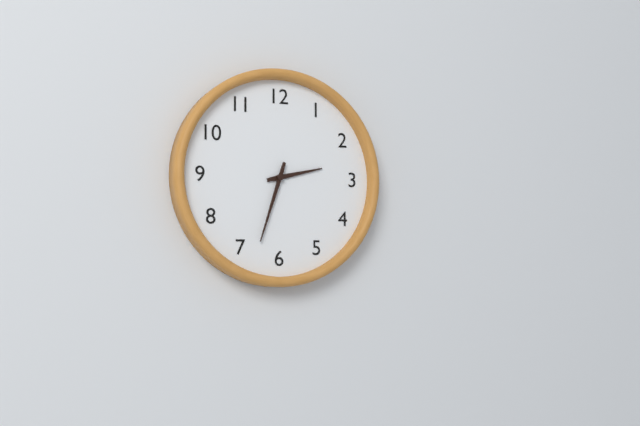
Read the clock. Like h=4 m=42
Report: h=2 m=33
